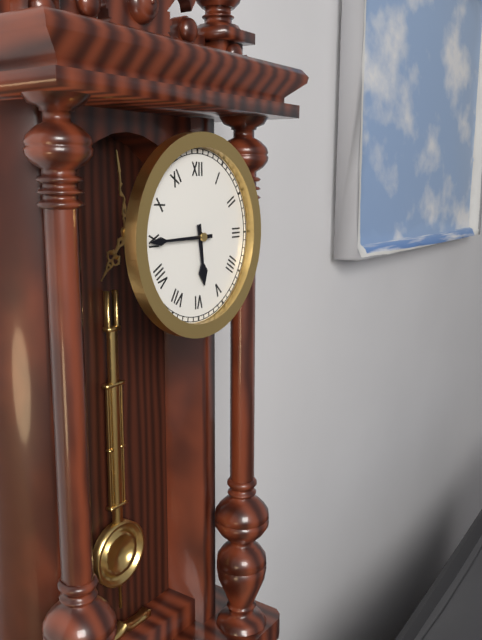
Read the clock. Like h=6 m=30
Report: h=5 m=45
